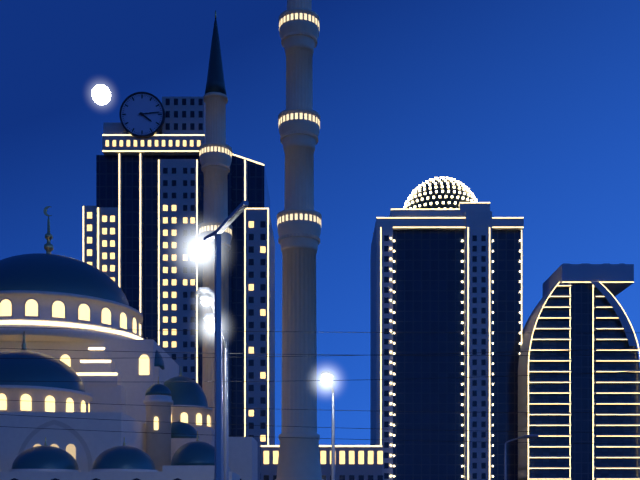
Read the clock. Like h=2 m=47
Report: h=4 m=14
